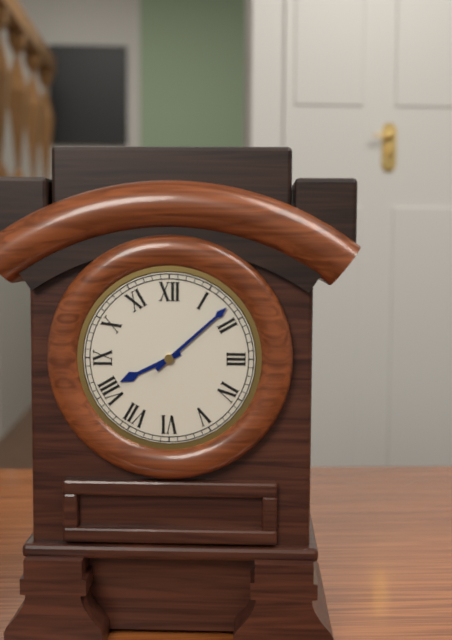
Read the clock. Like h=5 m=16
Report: h=8 m=8
